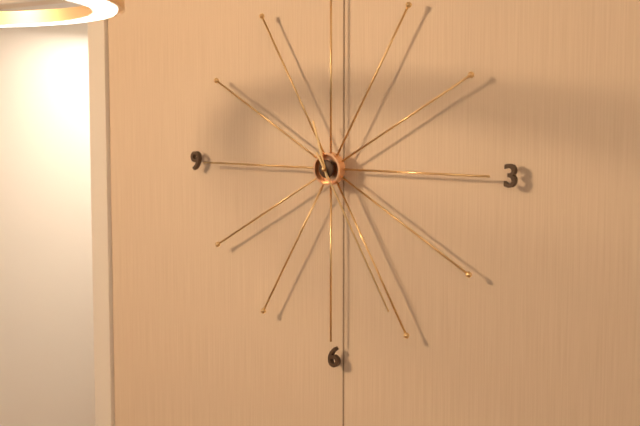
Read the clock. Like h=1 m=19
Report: h=11 m=25
